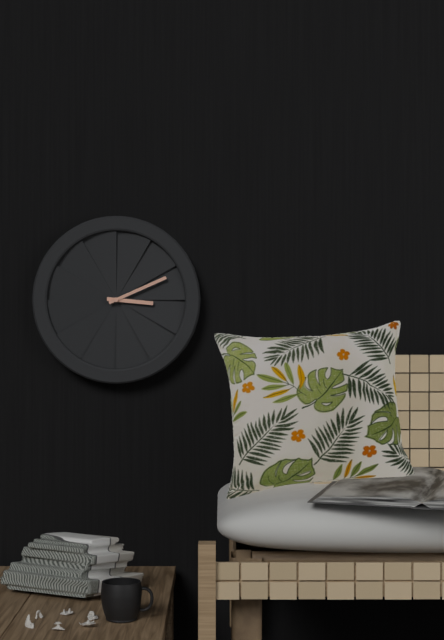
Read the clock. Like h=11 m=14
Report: h=3 m=11
